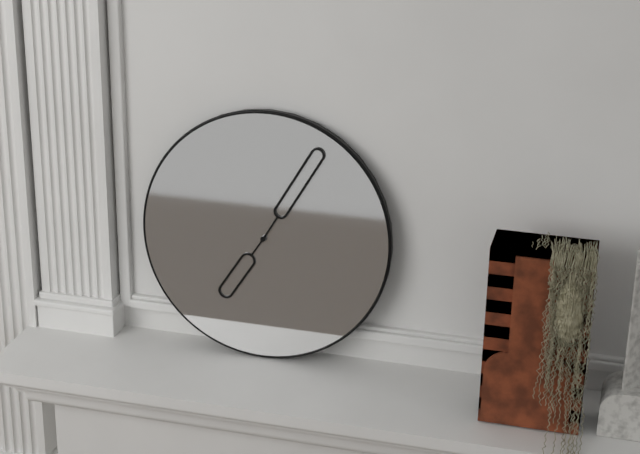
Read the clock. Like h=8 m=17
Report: h=7 m=5
